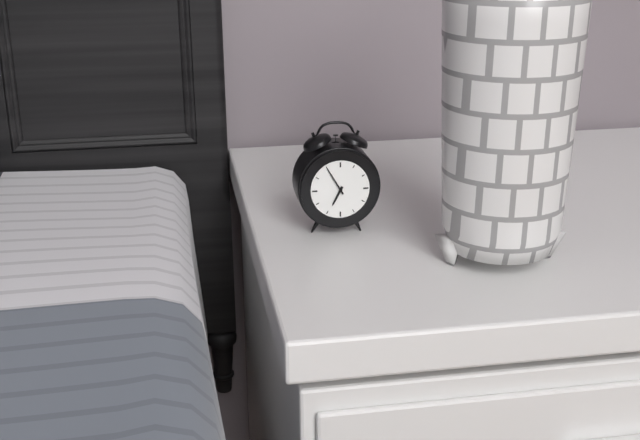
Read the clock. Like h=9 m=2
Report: h=6 m=55
